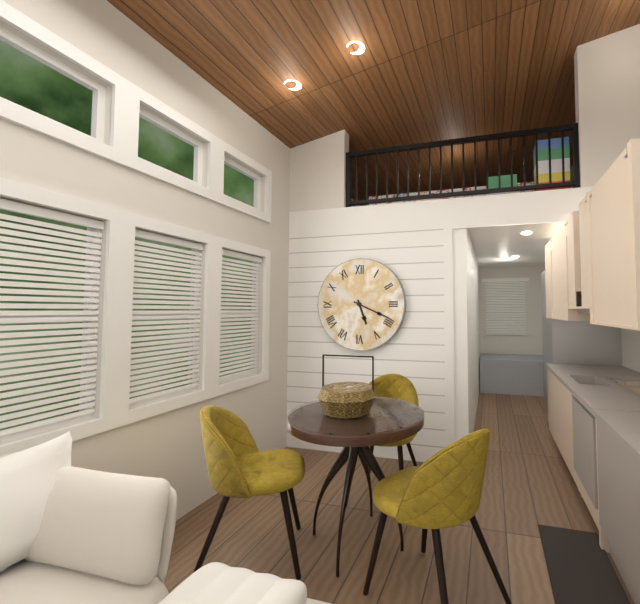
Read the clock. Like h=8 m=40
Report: h=5 m=19
